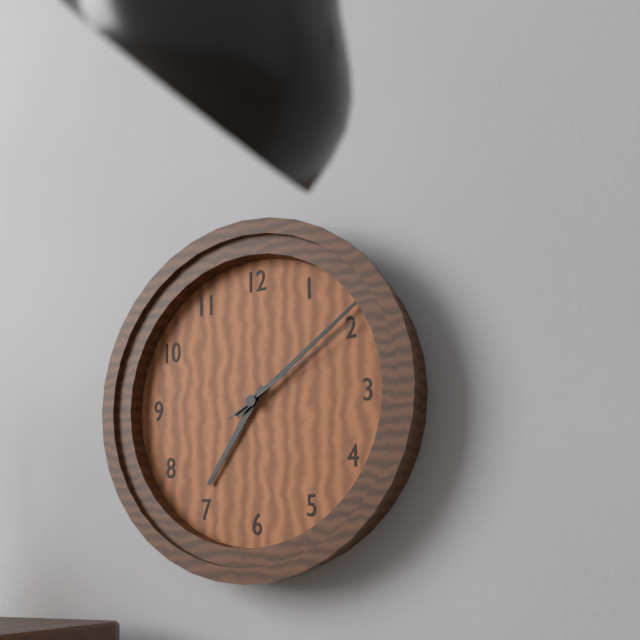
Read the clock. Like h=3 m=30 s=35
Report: h=7 m=9 s=10
